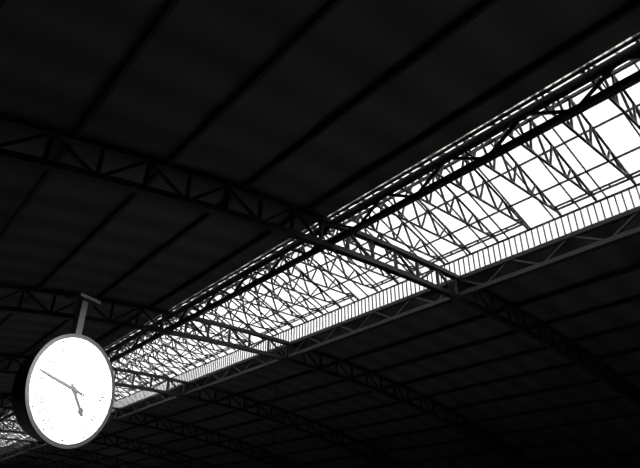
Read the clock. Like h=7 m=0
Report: h=4 m=47
